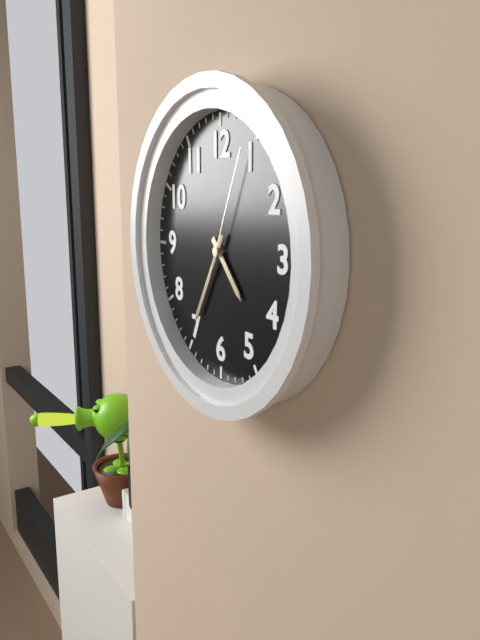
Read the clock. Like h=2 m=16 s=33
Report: h=4 m=35 s=4
